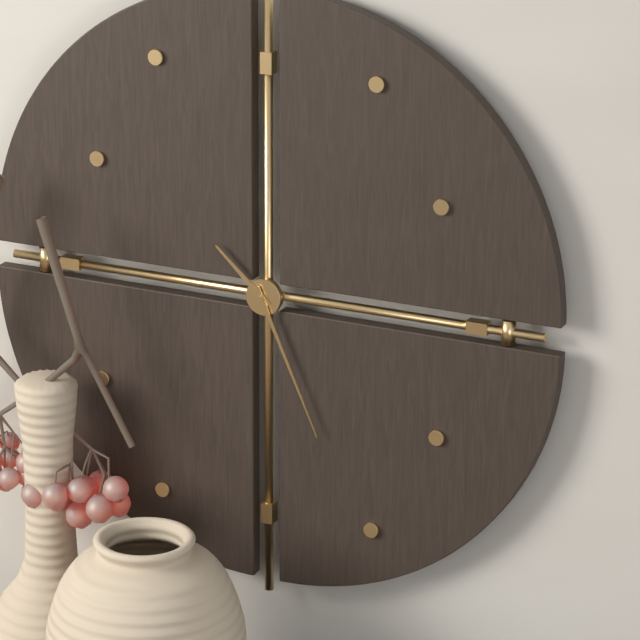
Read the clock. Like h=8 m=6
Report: h=10 m=26
